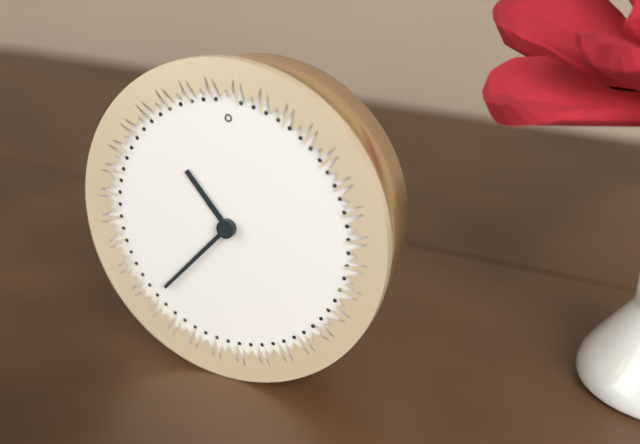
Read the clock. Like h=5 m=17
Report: h=10 m=37
